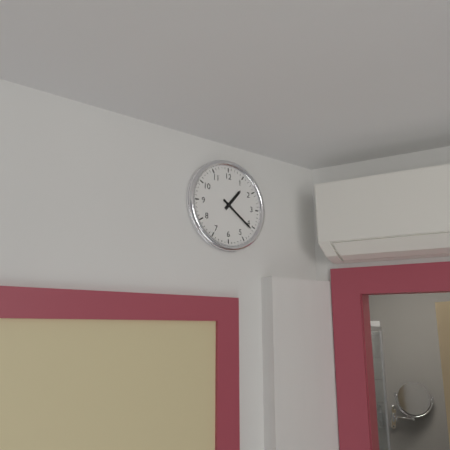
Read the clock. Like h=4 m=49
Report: h=1 m=21
